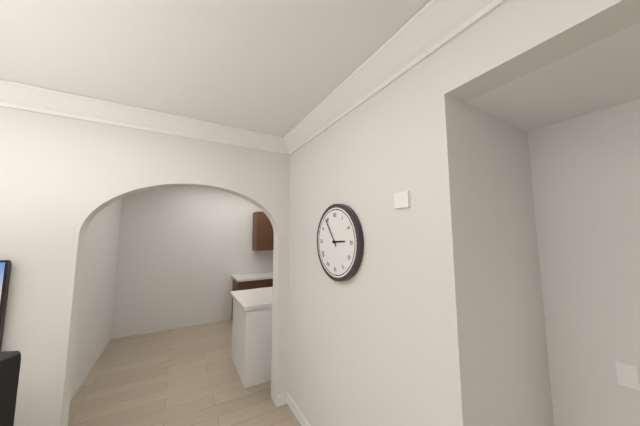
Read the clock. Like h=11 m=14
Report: h=2 m=54
